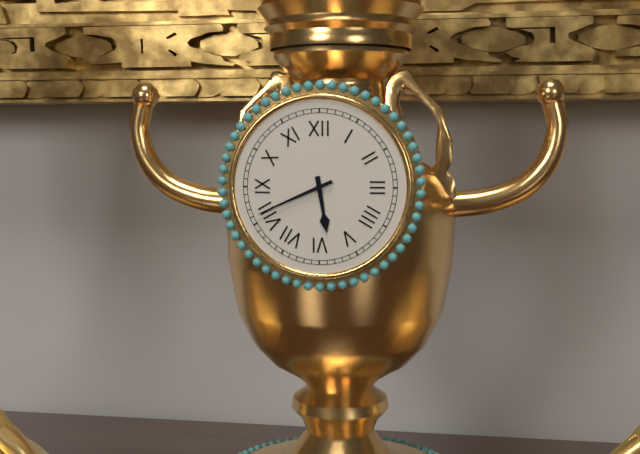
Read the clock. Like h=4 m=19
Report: h=5 m=41
